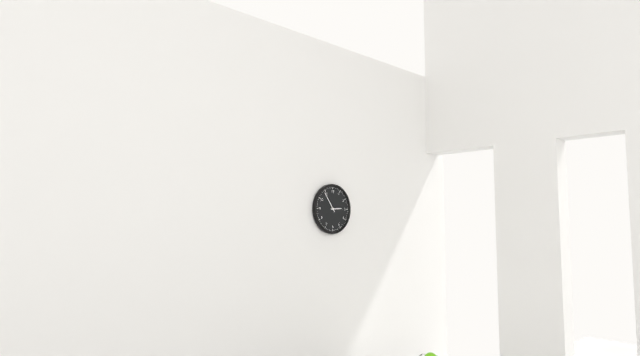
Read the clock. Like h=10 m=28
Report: h=2 m=54
